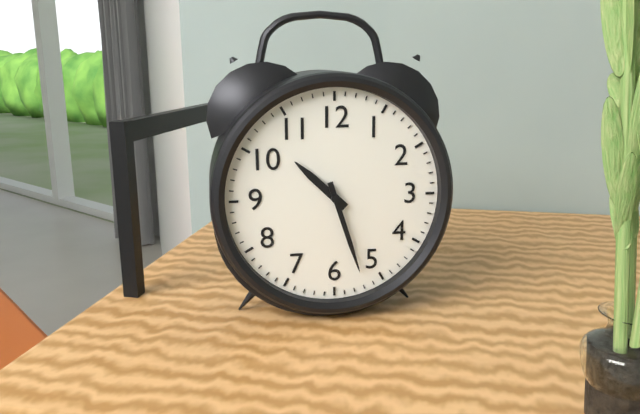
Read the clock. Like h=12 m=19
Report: h=10 m=27
